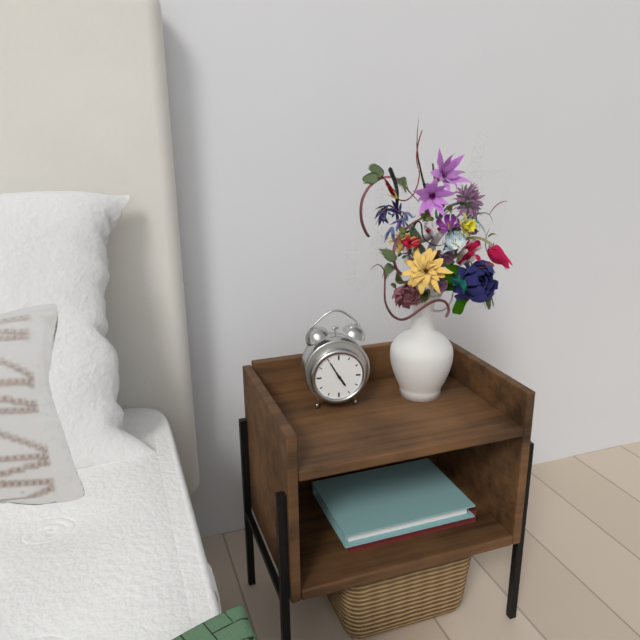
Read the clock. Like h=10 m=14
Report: h=4 m=55
